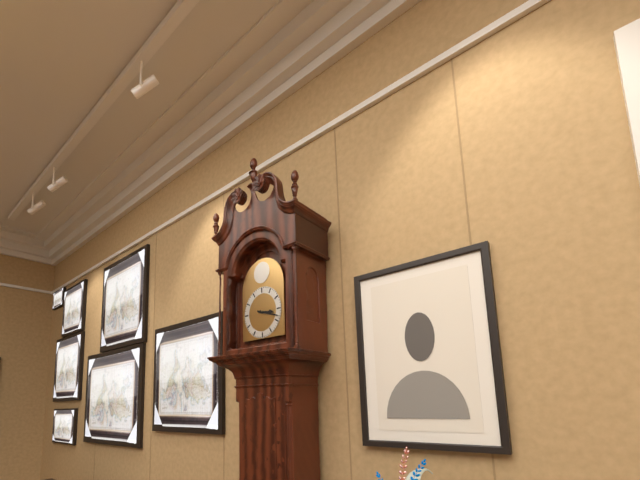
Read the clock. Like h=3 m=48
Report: h=3 m=18
